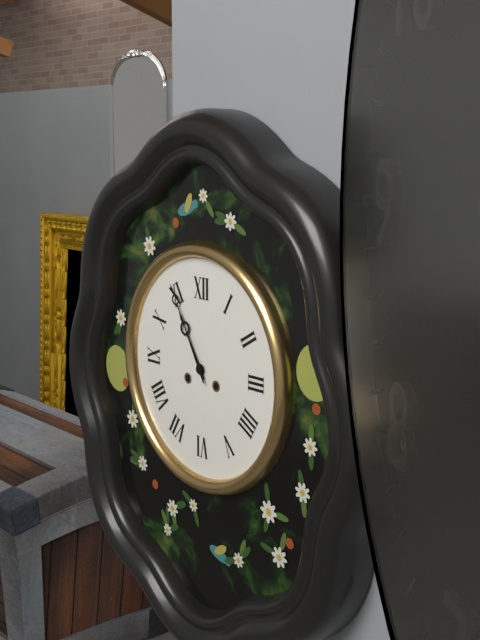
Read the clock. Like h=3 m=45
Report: h=10 m=55
